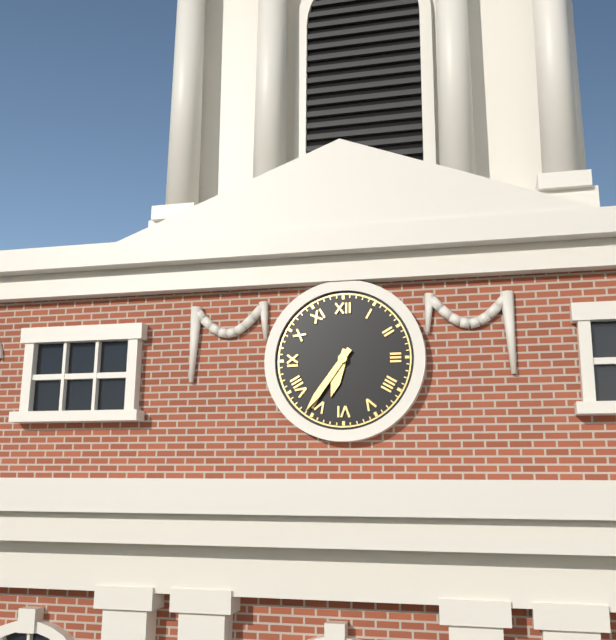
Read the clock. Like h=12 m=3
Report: h=6 m=36
